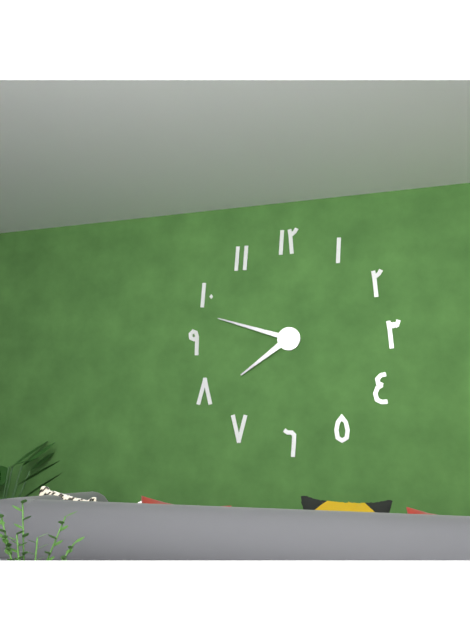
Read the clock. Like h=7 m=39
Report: h=7 m=48
